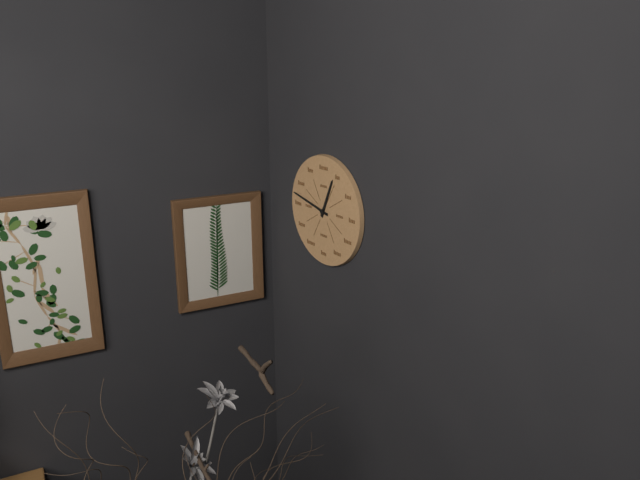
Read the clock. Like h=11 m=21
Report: h=12 m=47
